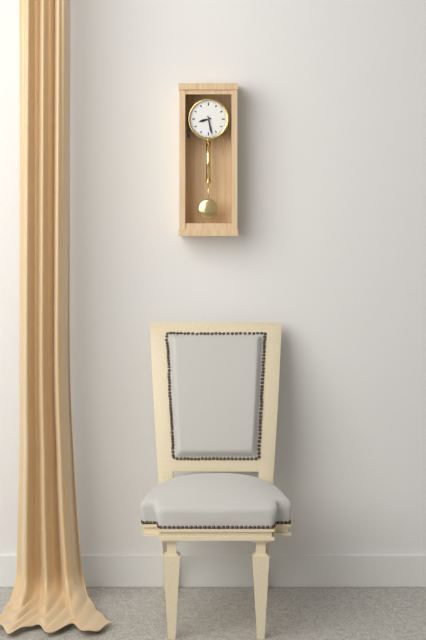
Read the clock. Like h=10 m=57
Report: h=8 m=28
